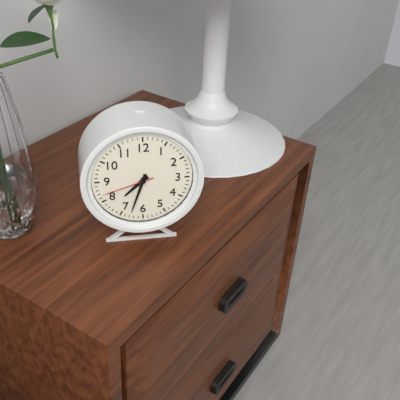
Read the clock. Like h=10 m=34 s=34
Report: h=7 m=33 s=42
